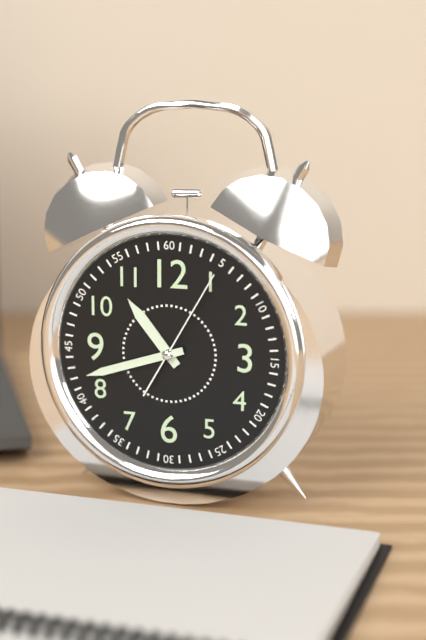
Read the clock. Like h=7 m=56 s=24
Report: h=10 m=42 s=5
